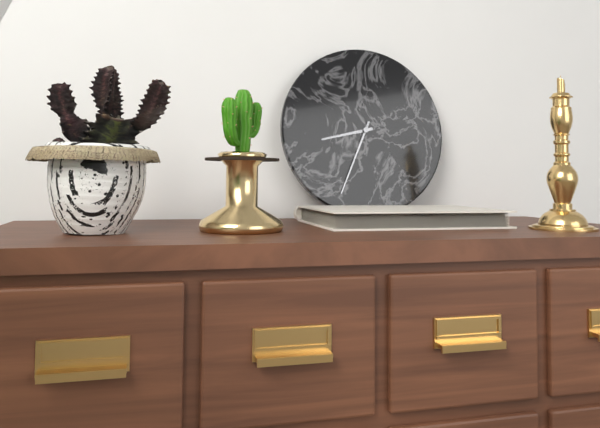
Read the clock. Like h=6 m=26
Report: h=8 m=34
